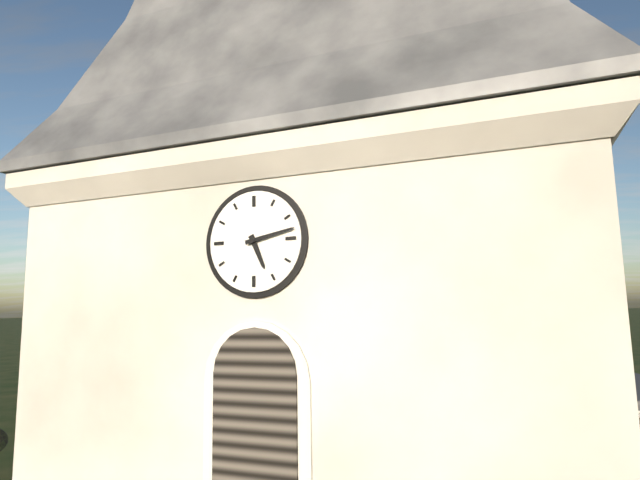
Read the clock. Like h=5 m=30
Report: h=5 m=13
